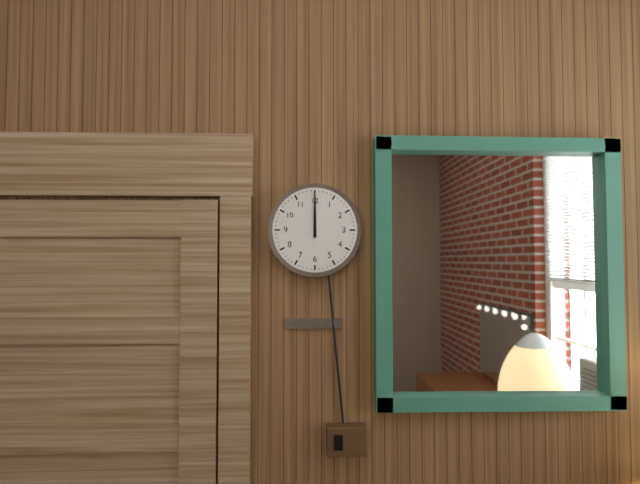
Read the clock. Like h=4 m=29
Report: h=12 m=0
